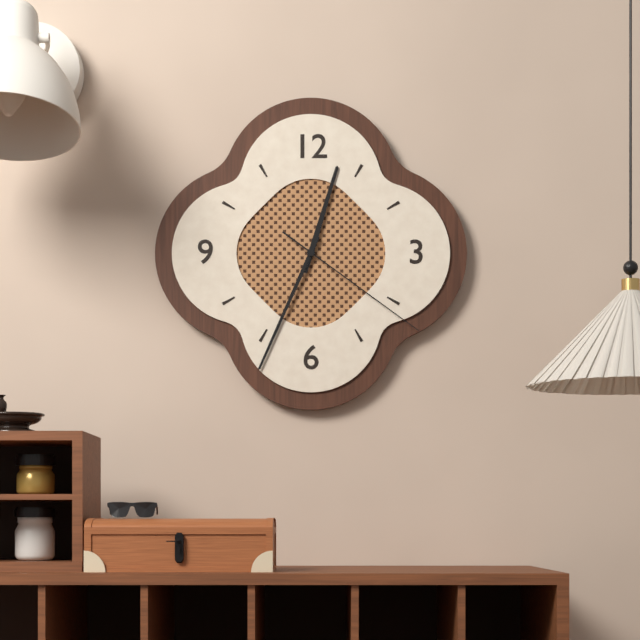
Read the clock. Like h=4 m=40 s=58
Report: h=12 m=34 s=21
